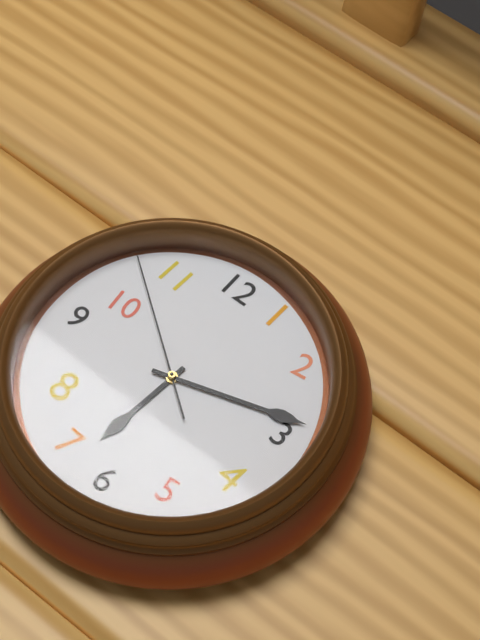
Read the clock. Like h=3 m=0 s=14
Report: h=6 m=12 s=51
